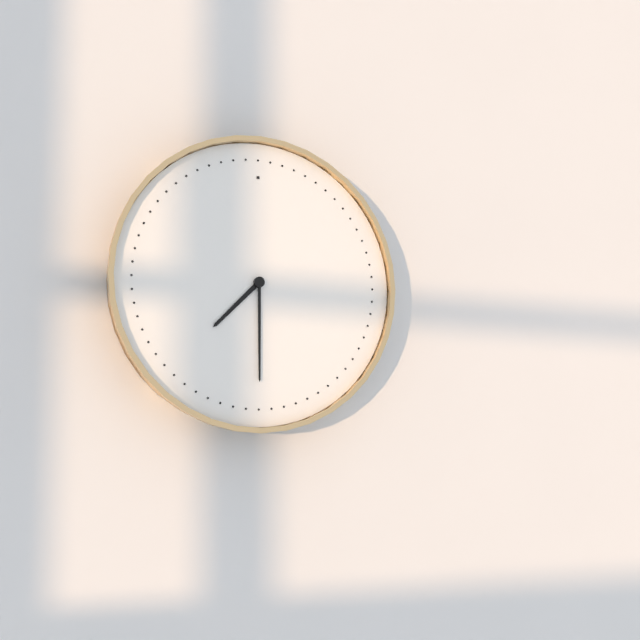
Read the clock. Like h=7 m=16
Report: h=7 m=30
